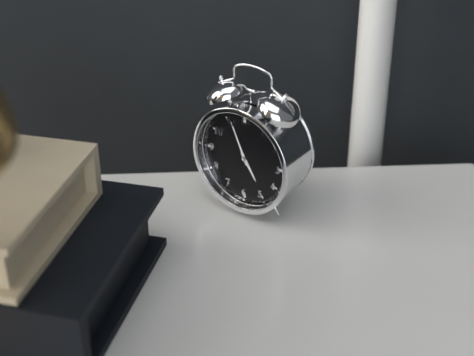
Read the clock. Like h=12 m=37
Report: h=4 m=56
